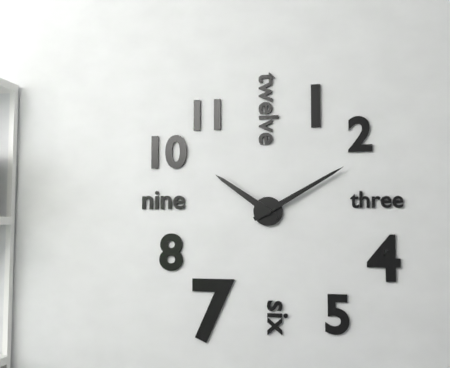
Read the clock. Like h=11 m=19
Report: h=10 m=10
